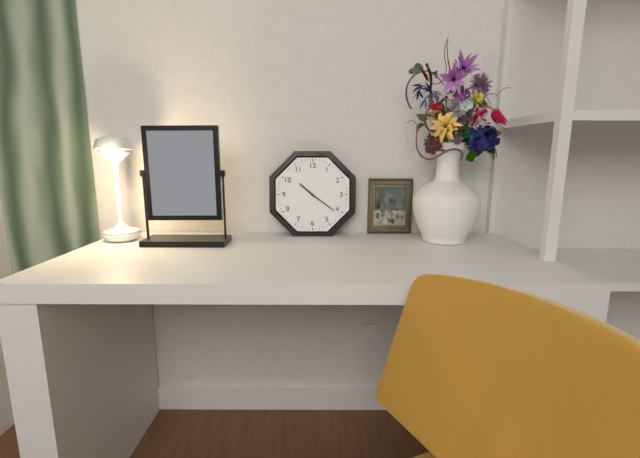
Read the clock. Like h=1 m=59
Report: h=10 m=21
